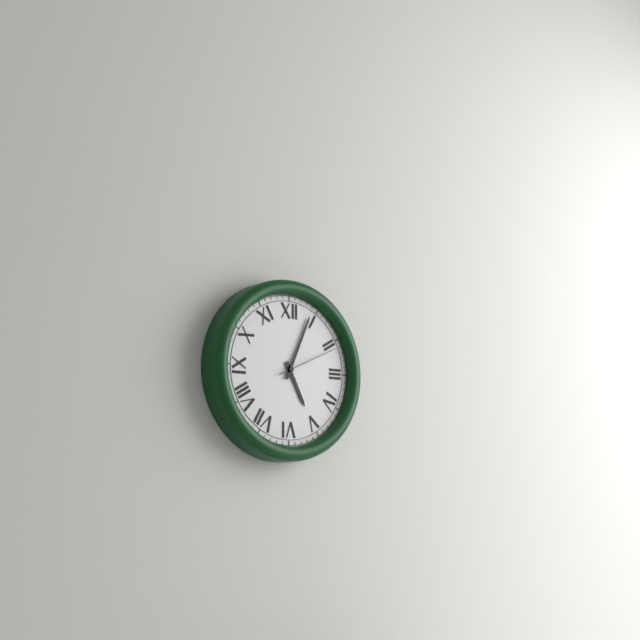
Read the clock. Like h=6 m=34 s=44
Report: h=5 m=4 s=11
